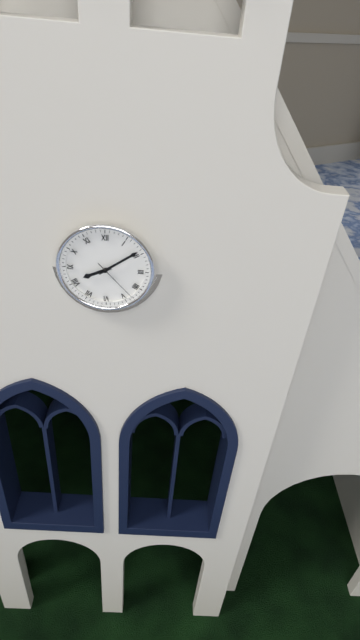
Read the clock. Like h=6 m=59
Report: h=8 m=9
